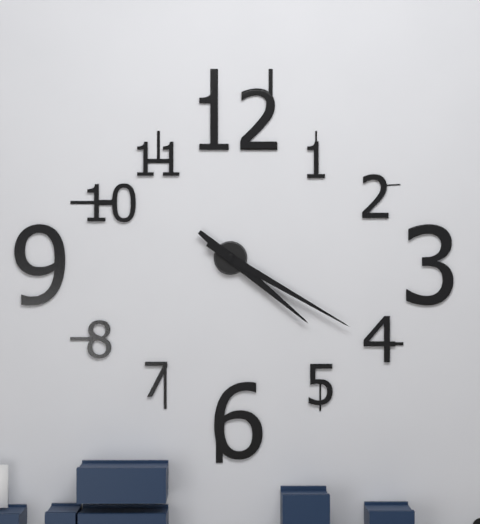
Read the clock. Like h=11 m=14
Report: h=4 m=20
